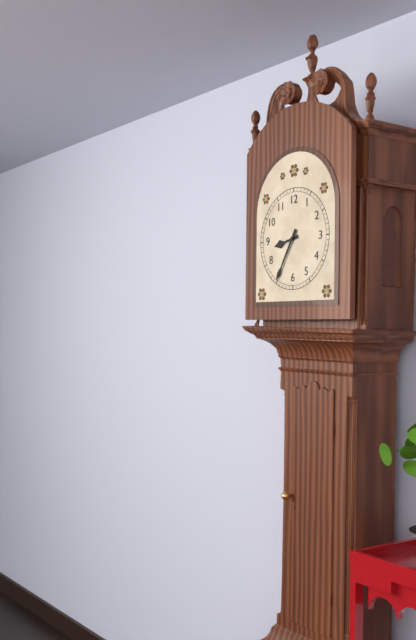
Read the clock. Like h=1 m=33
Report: h=8 m=35
